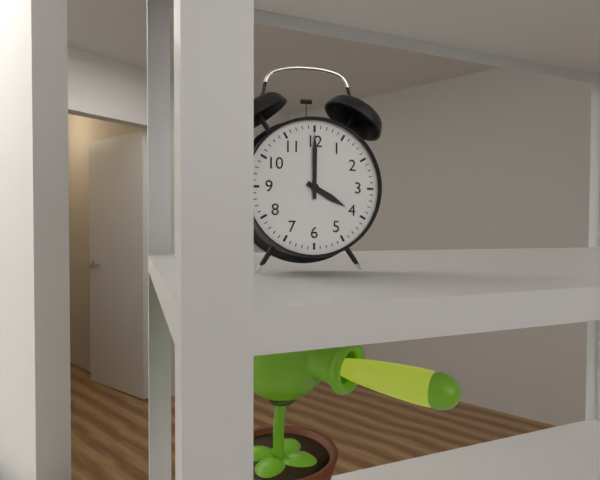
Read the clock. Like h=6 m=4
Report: h=4 m=0
